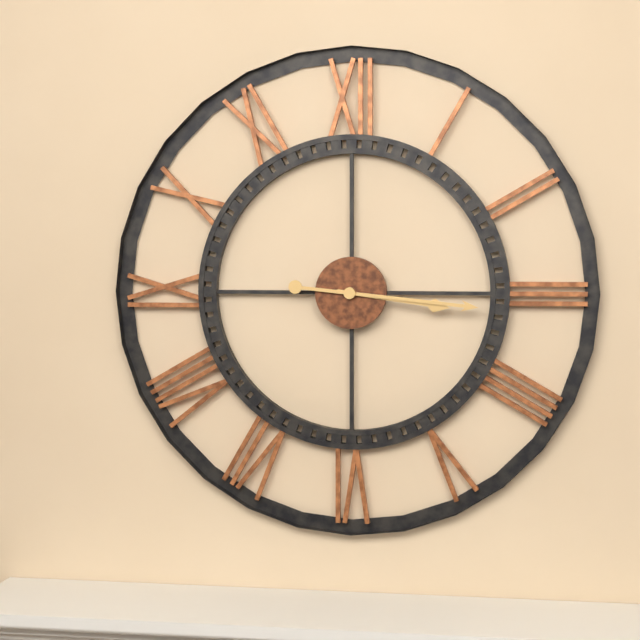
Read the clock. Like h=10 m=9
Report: h=3 m=16
